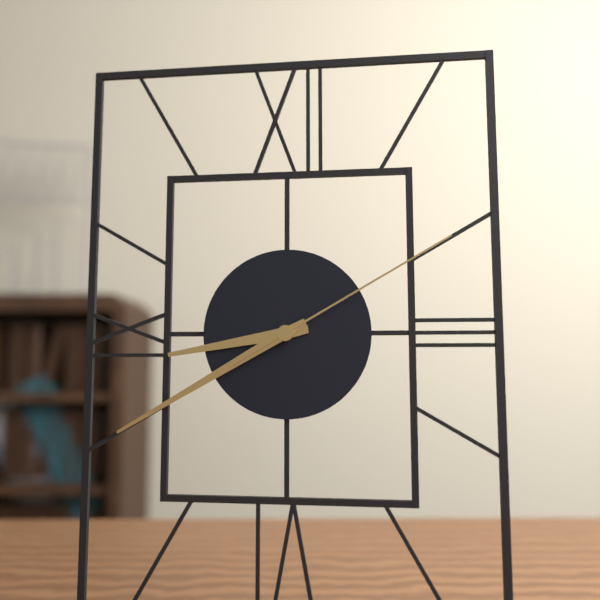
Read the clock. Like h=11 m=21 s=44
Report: h=8 m=40 s=10
